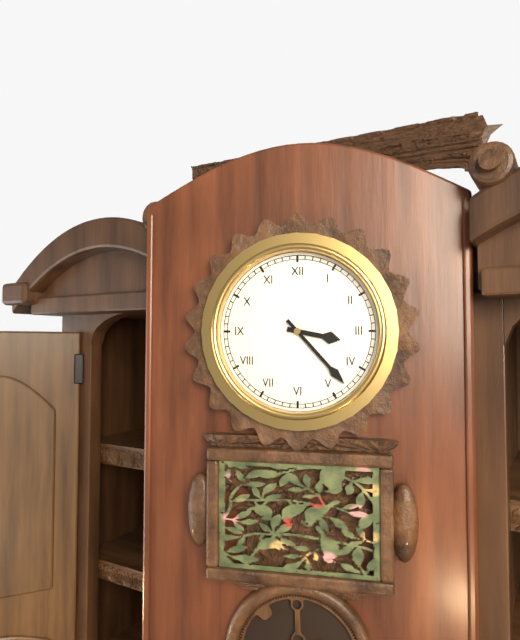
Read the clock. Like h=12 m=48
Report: h=3 m=23
